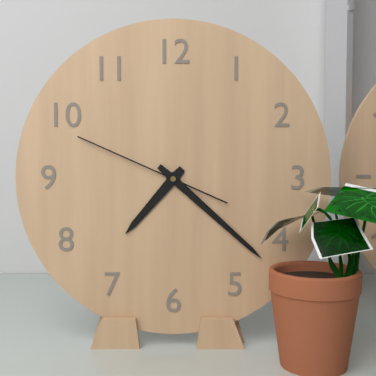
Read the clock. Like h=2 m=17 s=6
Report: h=7 m=22 s=49
